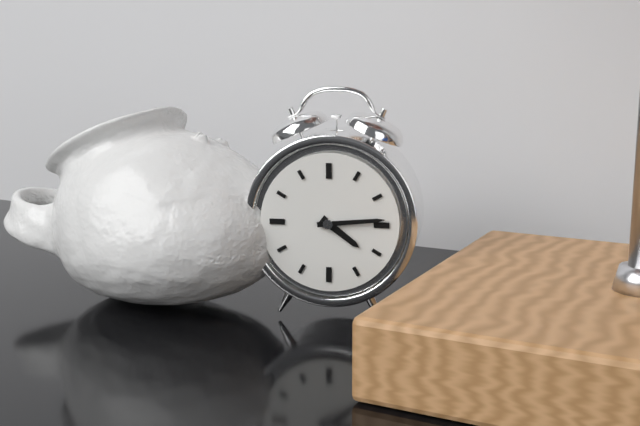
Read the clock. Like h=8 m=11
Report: h=4 m=14
